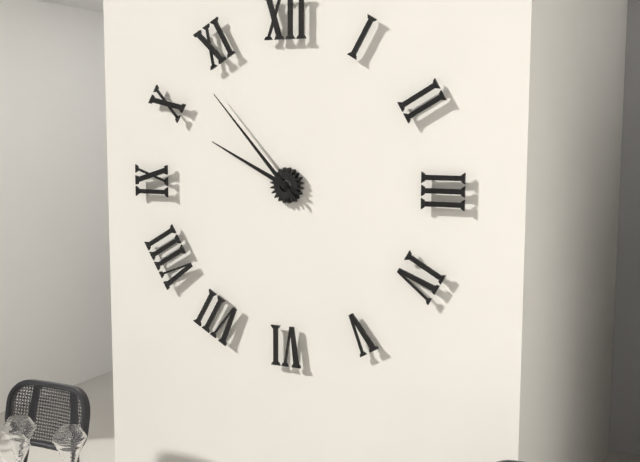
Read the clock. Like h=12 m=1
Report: h=9 m=53
